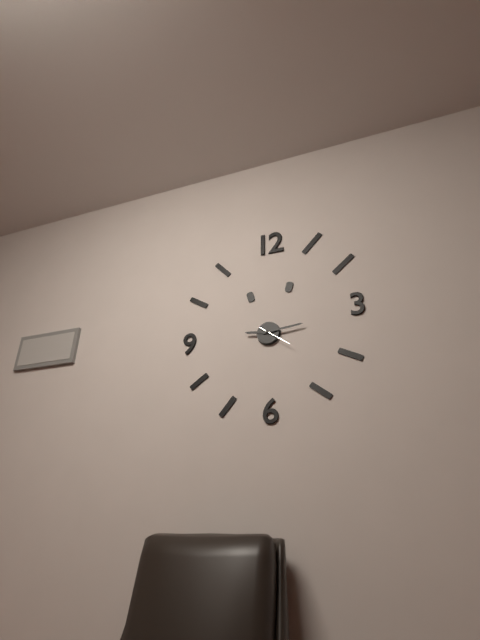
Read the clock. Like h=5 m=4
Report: h=9 m=14
